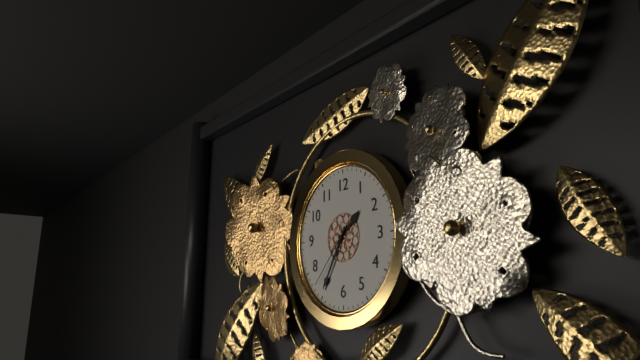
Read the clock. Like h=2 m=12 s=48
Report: h=1 m=35 s=37
